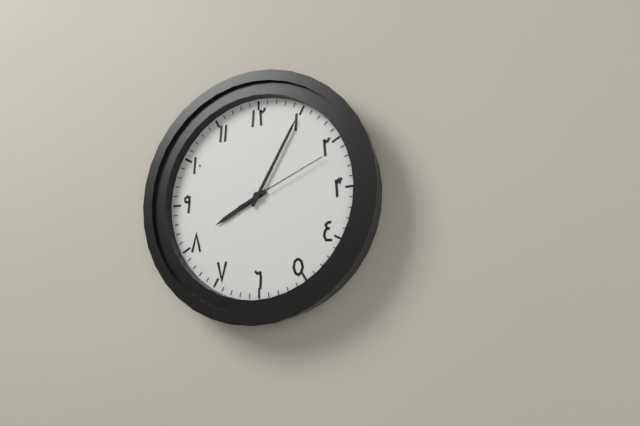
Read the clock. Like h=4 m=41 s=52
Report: h=8 m=5 s=11
